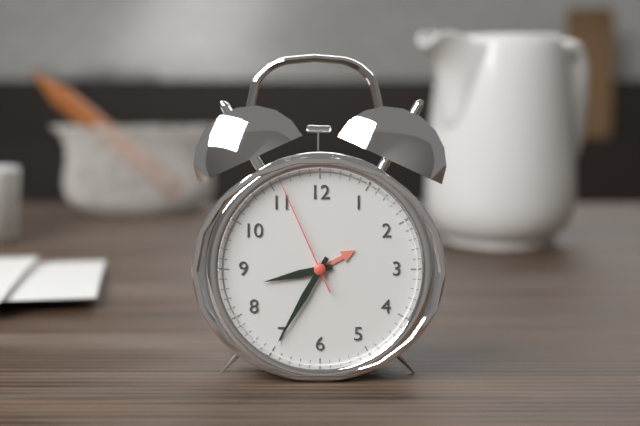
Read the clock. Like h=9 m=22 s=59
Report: h=8 m=35 s=56
